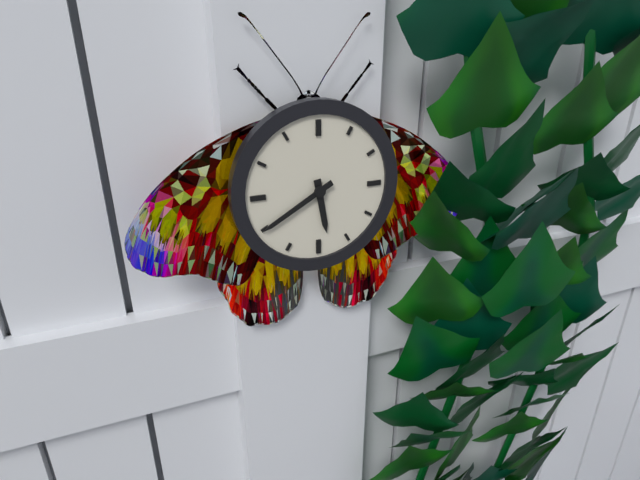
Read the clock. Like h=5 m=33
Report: h=5 m=40
